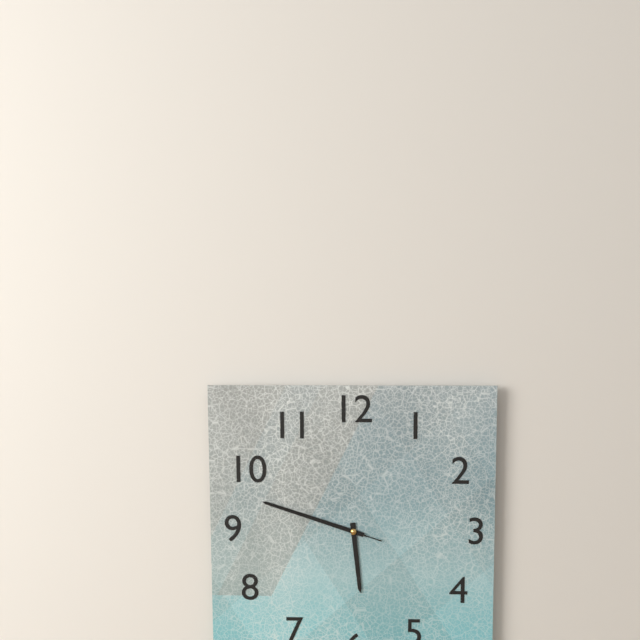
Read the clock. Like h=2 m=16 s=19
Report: h=5 m=48 s=48
